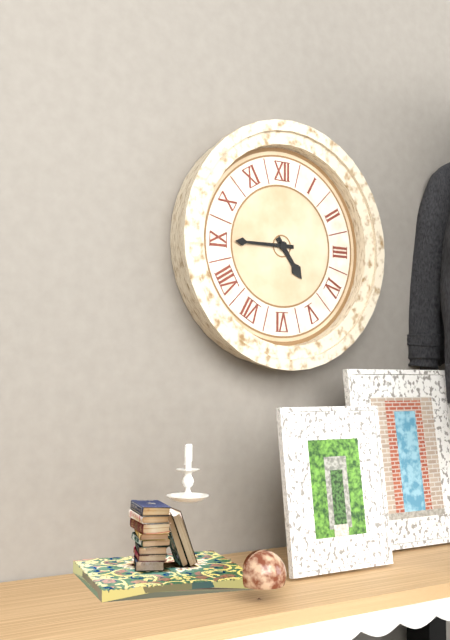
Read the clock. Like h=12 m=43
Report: h=4 m=45
